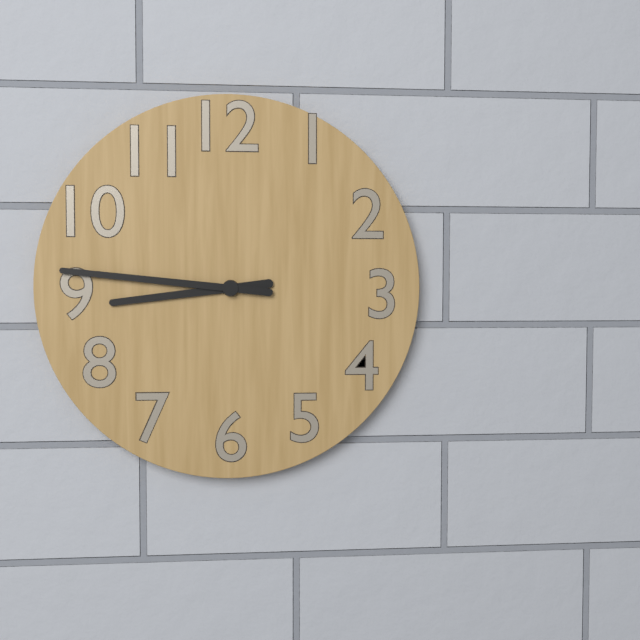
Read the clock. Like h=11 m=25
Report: h=8 m=46
